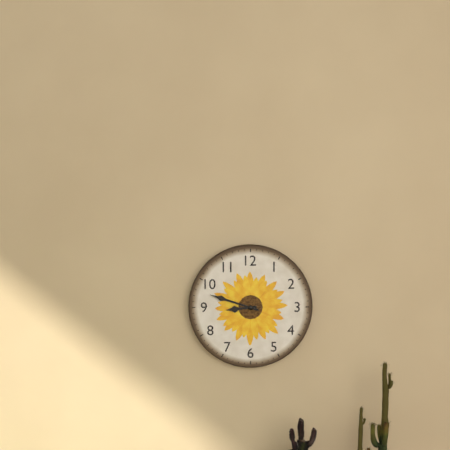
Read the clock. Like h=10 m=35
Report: h=8 m=48
